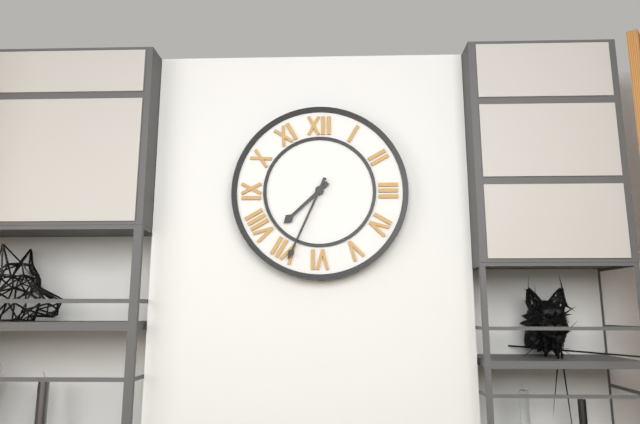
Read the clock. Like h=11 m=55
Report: h=7 m=34
